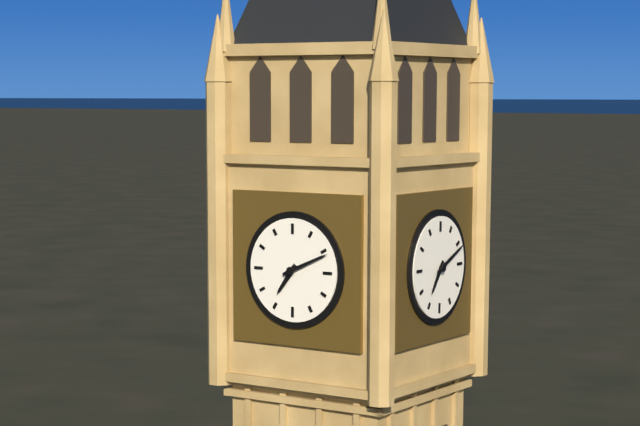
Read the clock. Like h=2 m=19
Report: h=7 m=11
